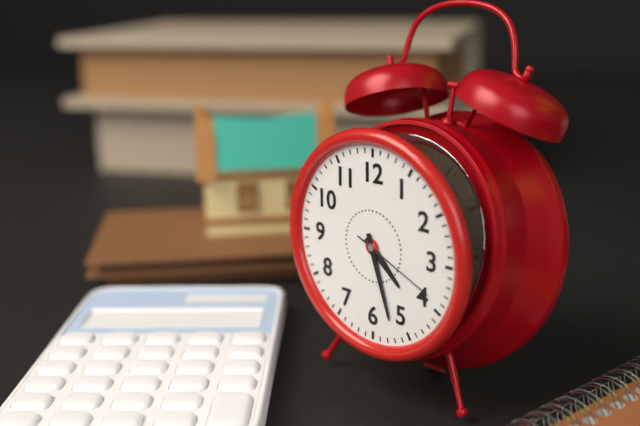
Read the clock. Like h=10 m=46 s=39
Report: h=4 m=27 s=19
